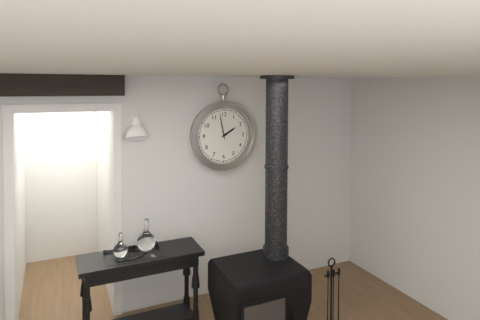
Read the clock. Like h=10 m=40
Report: h=1 m=58
